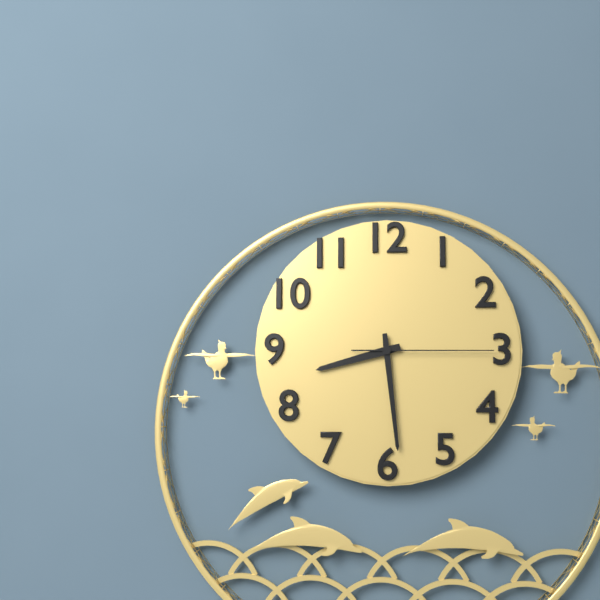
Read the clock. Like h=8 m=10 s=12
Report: h=8 m=29 s=15
